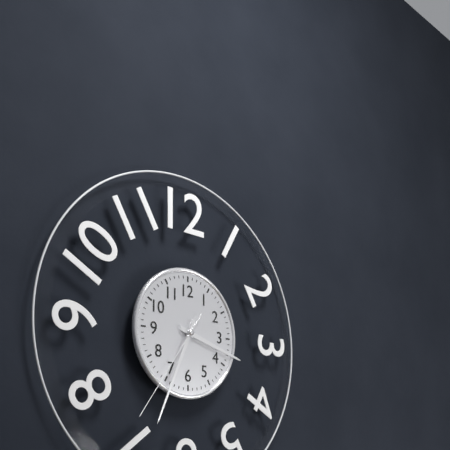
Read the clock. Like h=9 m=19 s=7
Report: h=3 m=34 s=36
